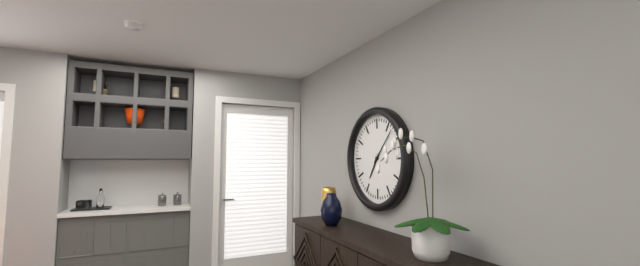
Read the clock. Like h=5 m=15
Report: h=7 m=7
